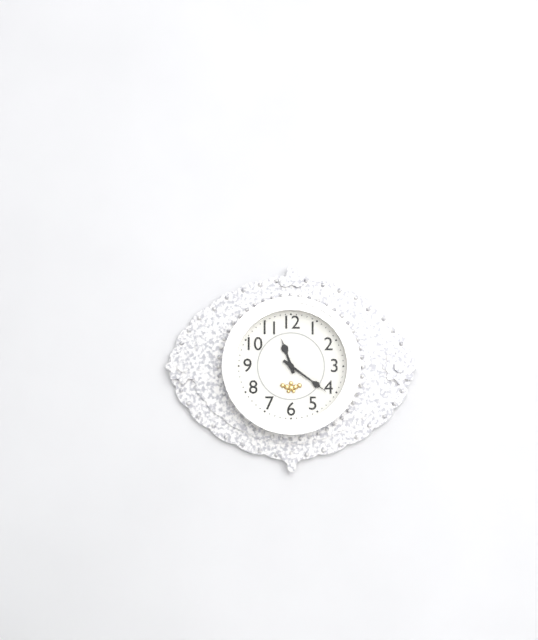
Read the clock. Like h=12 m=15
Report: h=11 m=21
